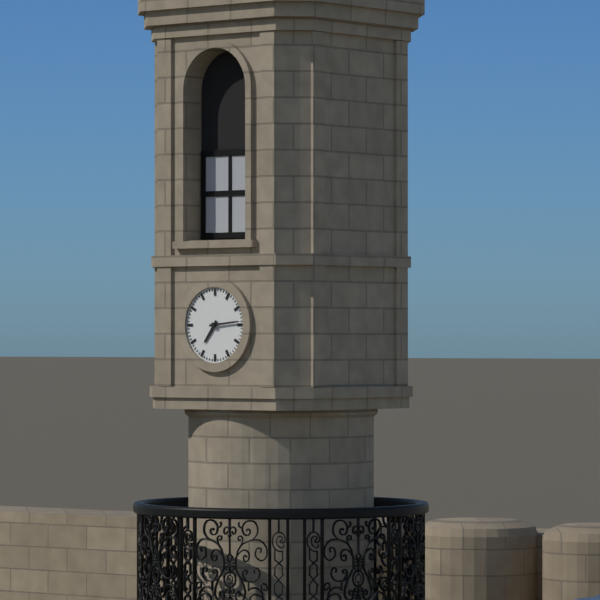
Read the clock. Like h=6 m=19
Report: h=7 m=14
